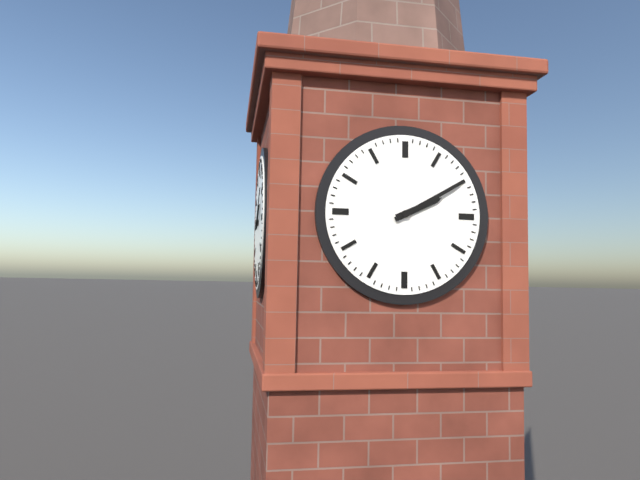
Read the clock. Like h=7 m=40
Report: h=2 m=10
